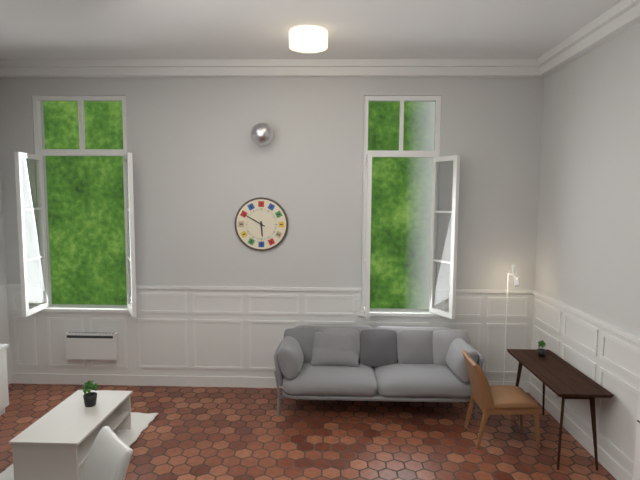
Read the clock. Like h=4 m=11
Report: h=5 m=50
